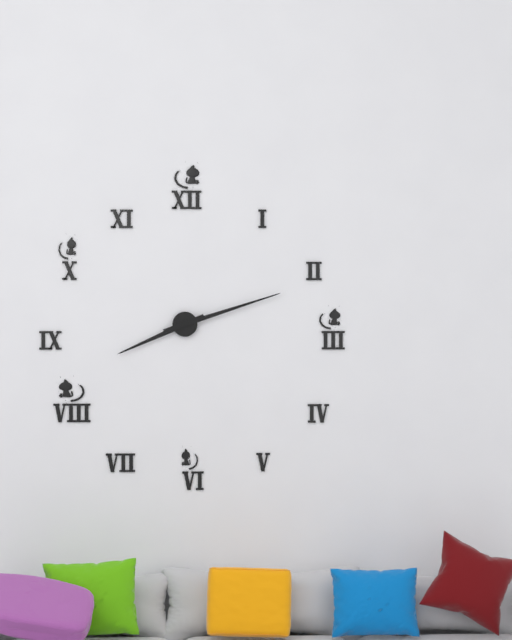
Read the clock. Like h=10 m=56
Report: h=8 m=12
